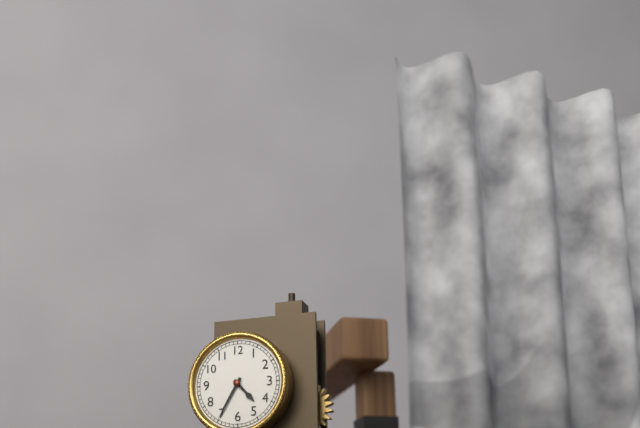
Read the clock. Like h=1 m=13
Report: h=4 m=35
